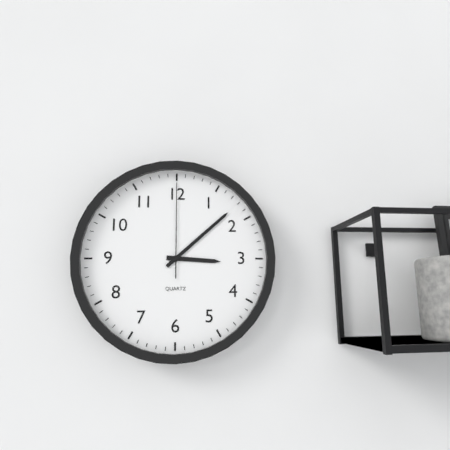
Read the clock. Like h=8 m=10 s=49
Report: h=3 m=8 s=0
